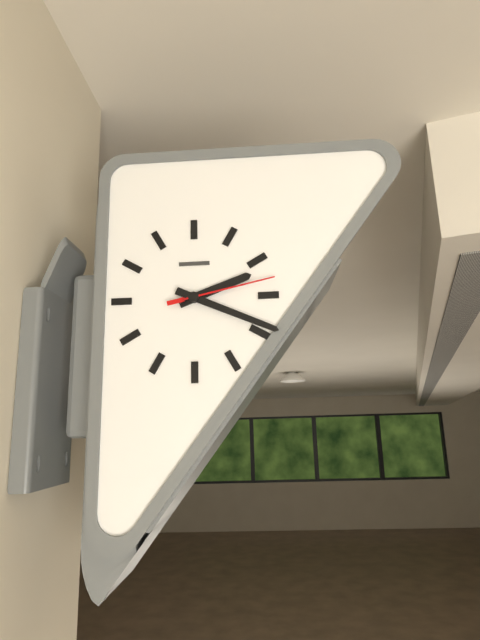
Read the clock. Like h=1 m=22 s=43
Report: h=2 m=19 s=13
